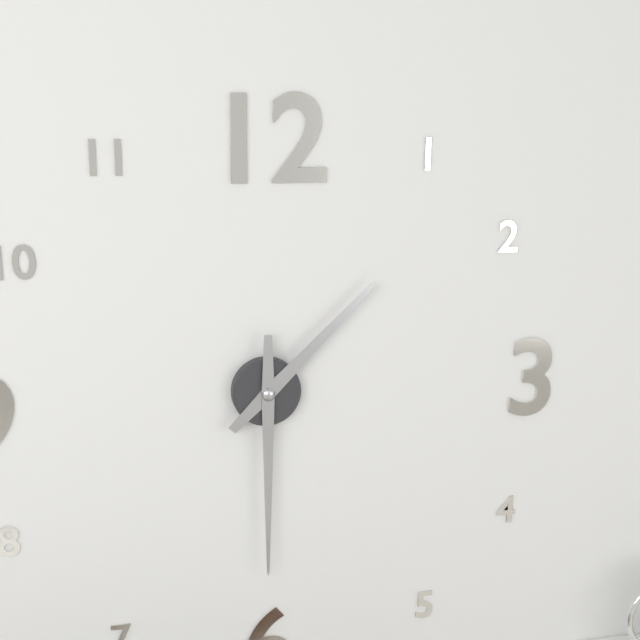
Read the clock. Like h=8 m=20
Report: h=1 m=30
